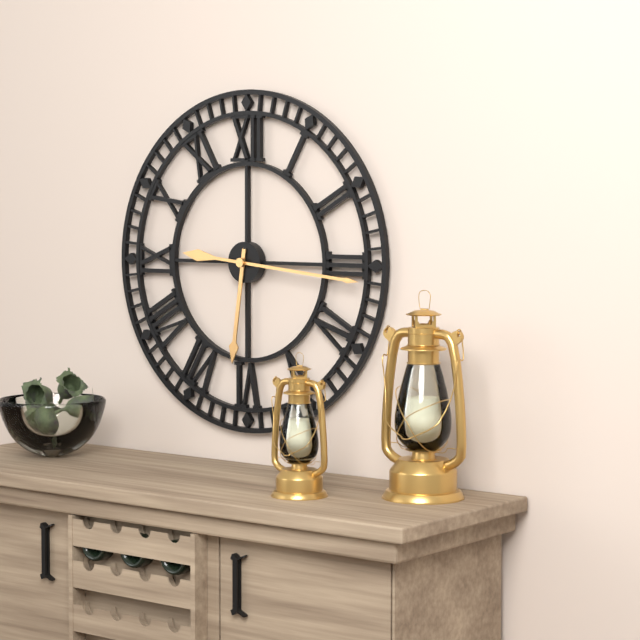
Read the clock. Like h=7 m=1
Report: h=6 m=16
